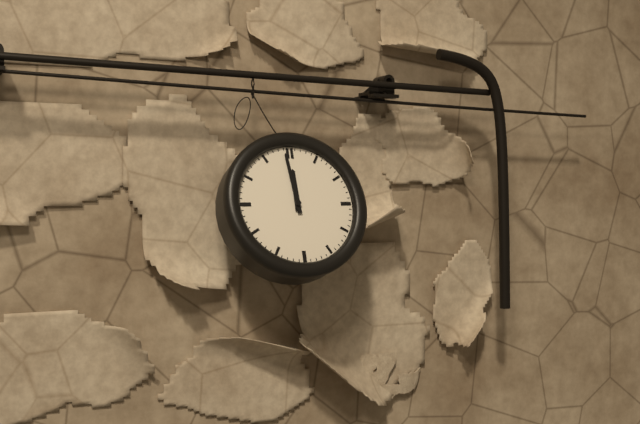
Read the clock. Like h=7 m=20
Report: h=11 m=59
